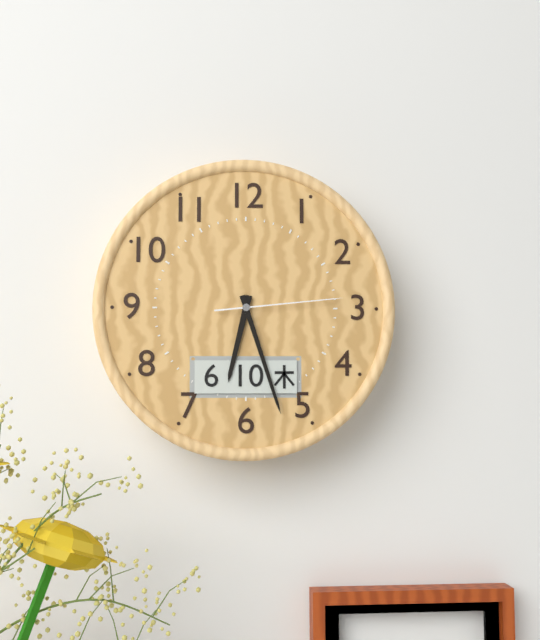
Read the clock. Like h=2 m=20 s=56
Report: h=6 m=27 s=14
